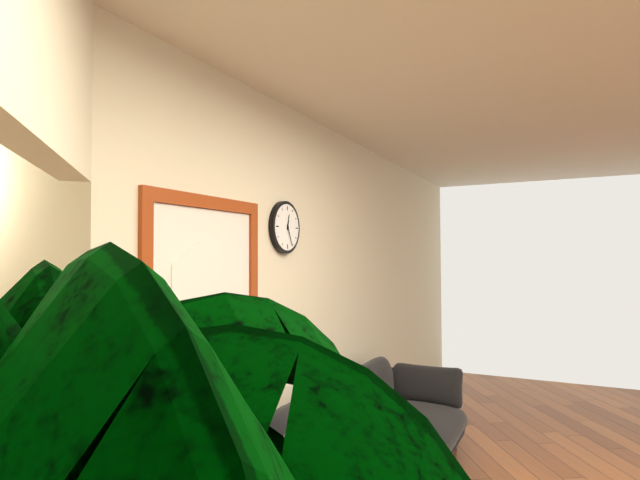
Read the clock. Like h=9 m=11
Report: h=12 m=26
